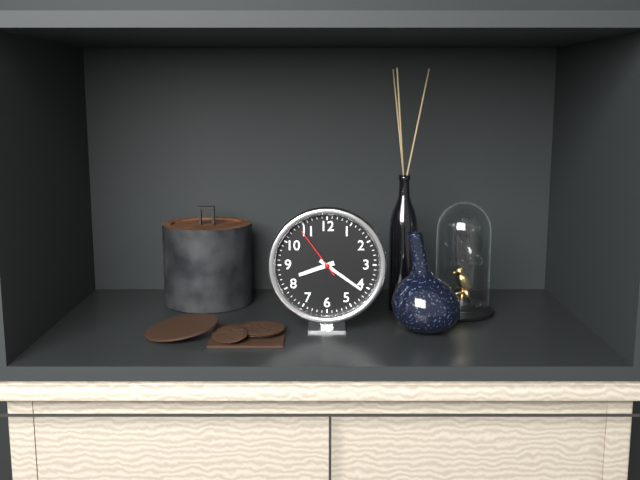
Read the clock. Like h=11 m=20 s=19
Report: h=8 m=21 s=54
